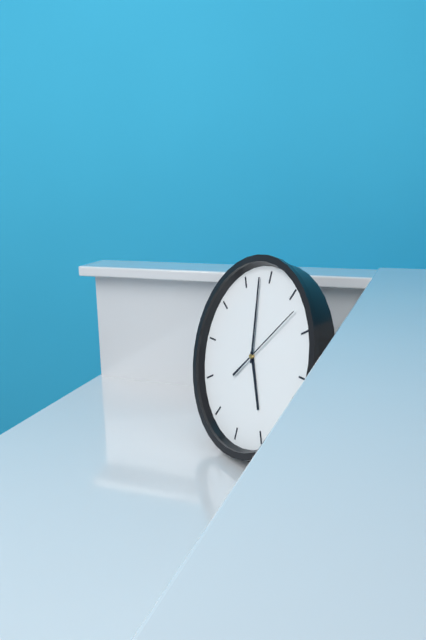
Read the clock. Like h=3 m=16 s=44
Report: h=4 m=58 s=7
